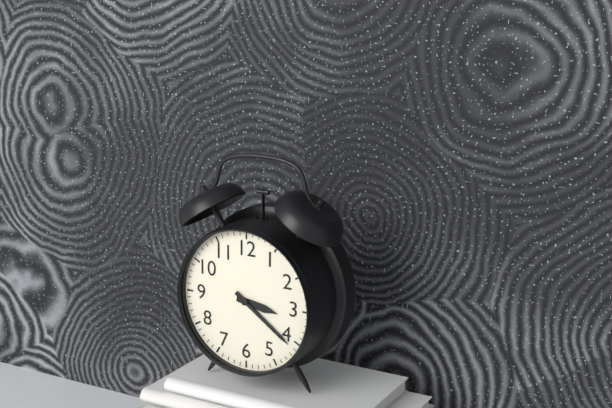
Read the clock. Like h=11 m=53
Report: h=3 m=21
